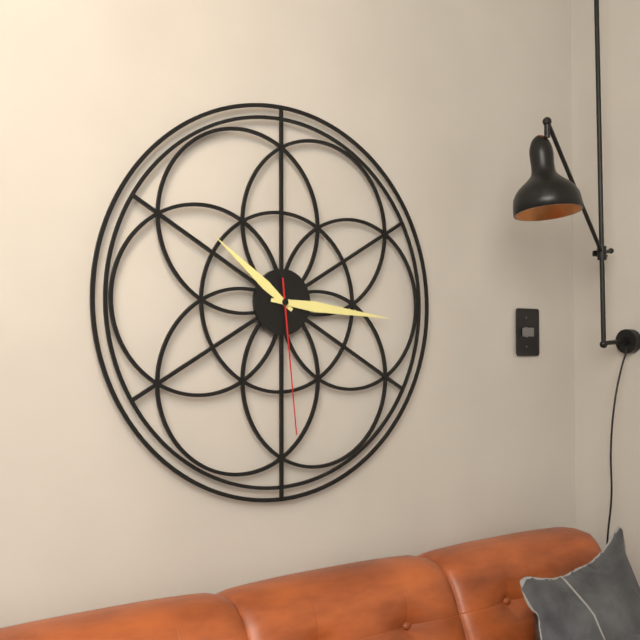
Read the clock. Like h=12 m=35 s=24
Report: h=10 m=16 s=29
